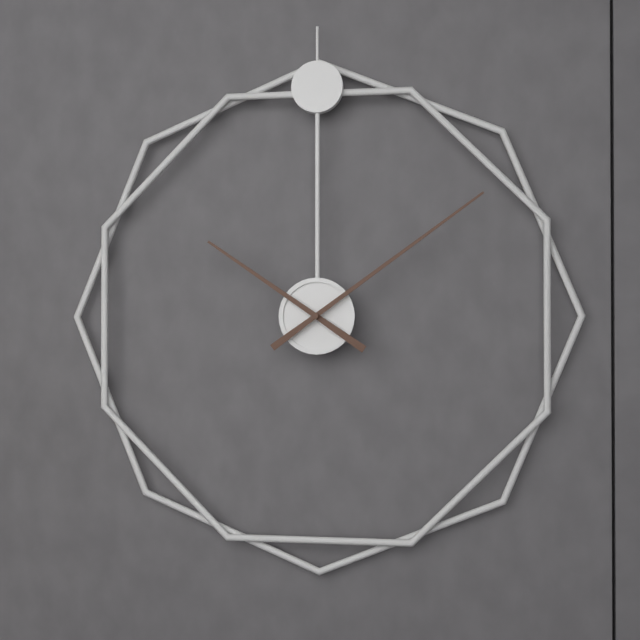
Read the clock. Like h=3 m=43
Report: h=10 m=9
